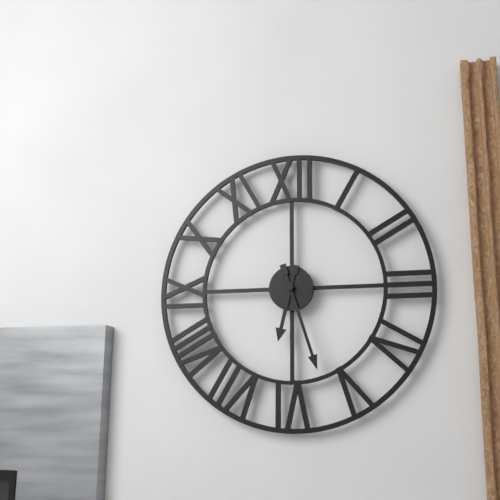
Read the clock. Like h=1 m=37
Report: h=6 m=27
